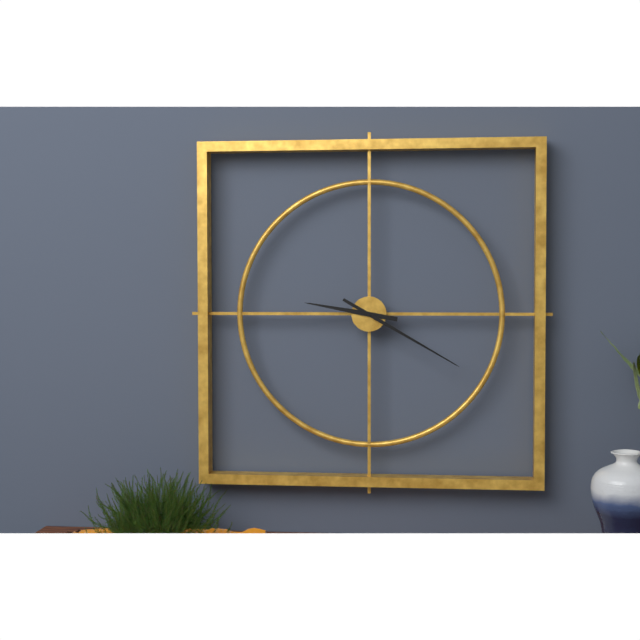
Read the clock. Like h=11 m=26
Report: h=9 m=20
